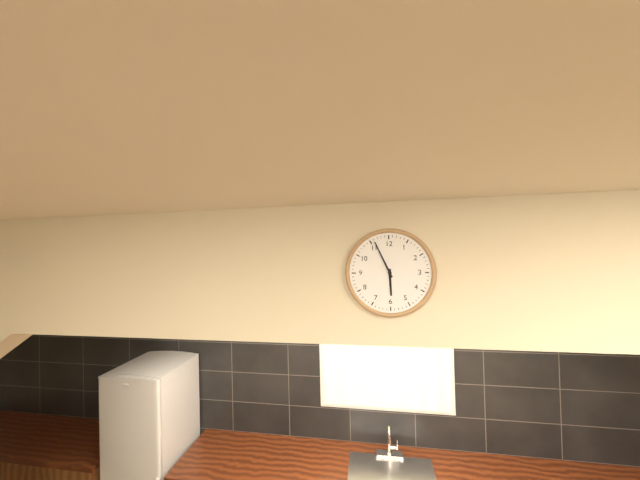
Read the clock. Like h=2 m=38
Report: h=5 m=56
